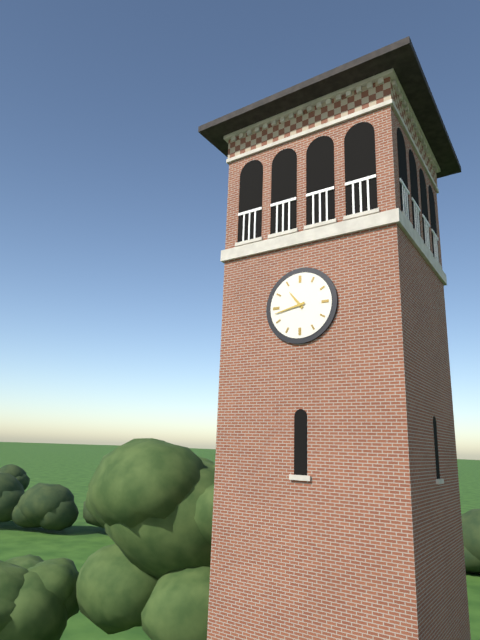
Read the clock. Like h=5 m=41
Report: h=10 m=43
